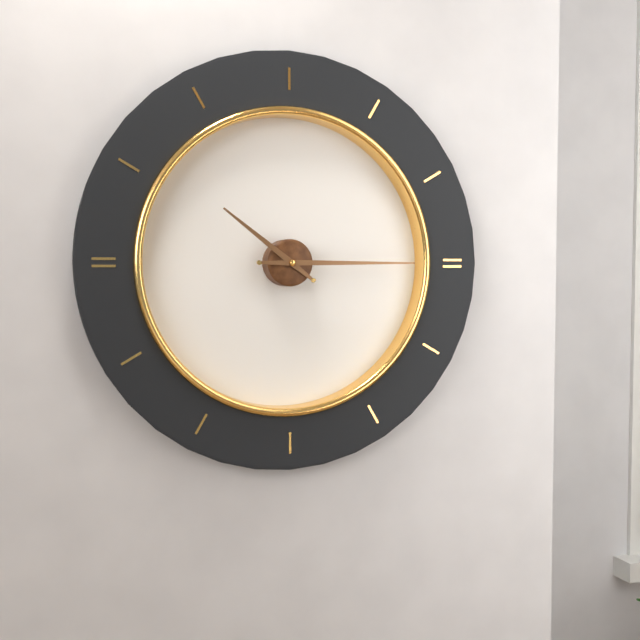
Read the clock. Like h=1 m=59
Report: h=10 m=15
